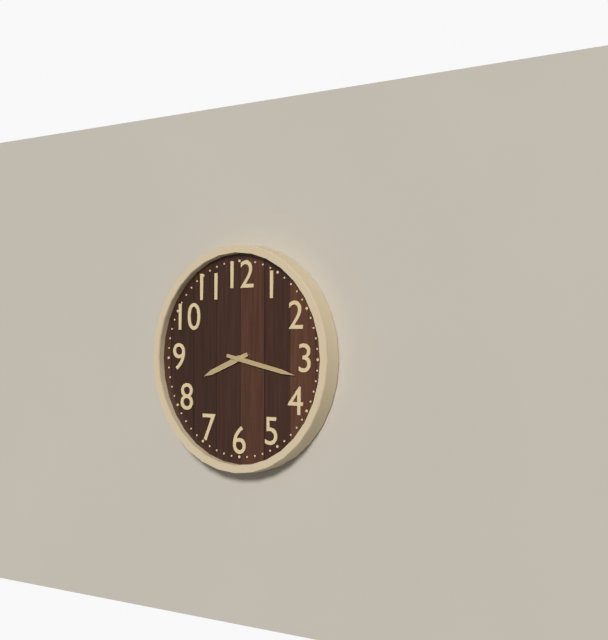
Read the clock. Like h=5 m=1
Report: h=8 m=17
